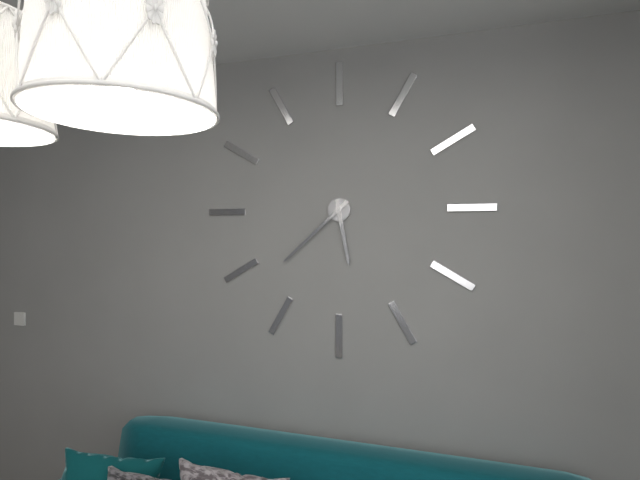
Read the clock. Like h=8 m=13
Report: h=5 m=38
